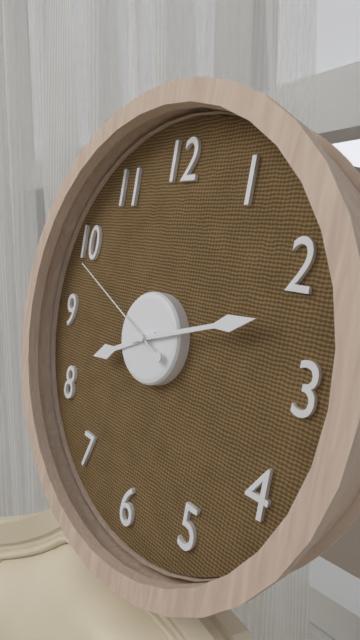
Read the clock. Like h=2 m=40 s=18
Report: h=8 m=12 s=49
